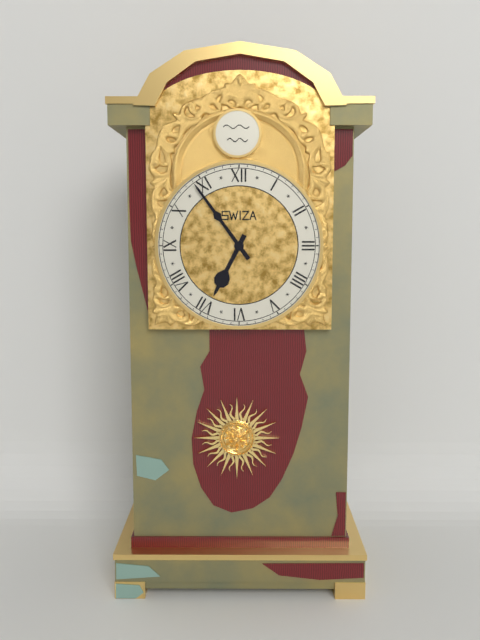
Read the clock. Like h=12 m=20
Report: h=6 m=54
